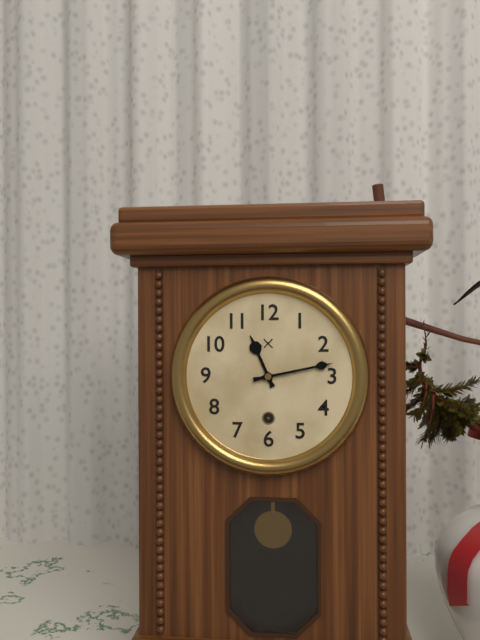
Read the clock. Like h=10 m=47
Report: h=11 m=13
